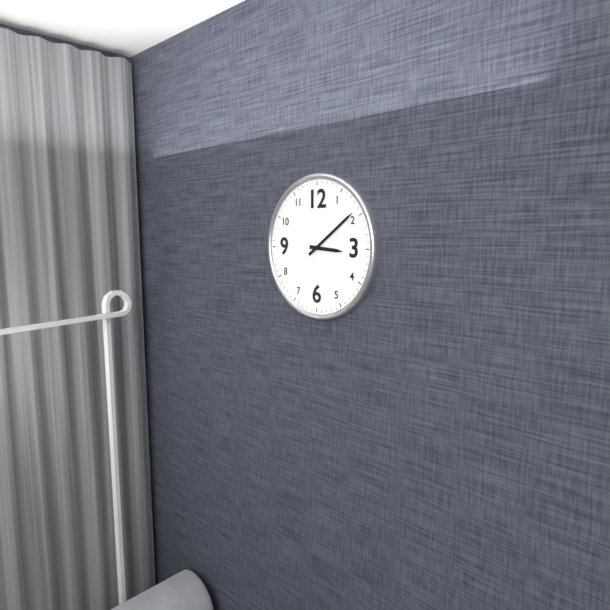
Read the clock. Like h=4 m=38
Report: h=3 m=9
